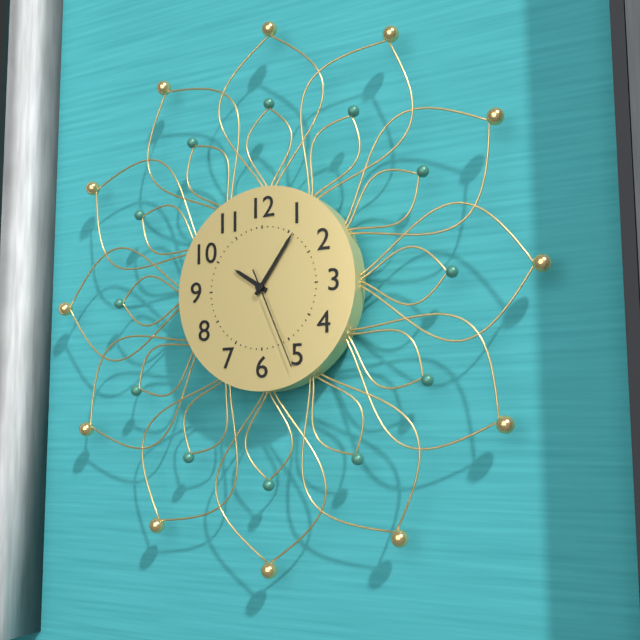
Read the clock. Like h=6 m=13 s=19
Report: h=10 m=6 s=26
